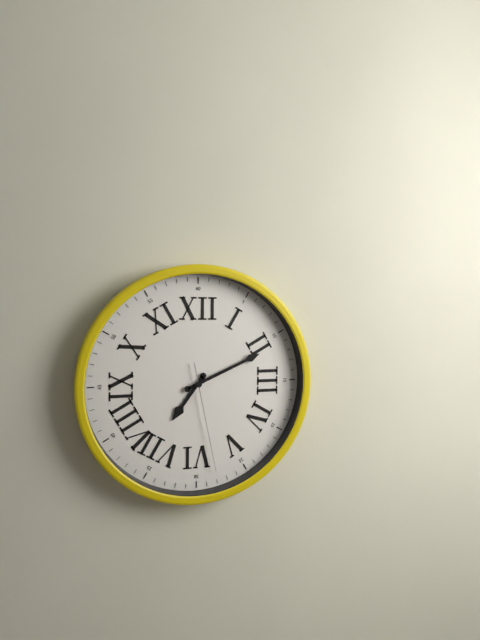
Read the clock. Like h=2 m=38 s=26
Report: h=7 m=11 s=28
